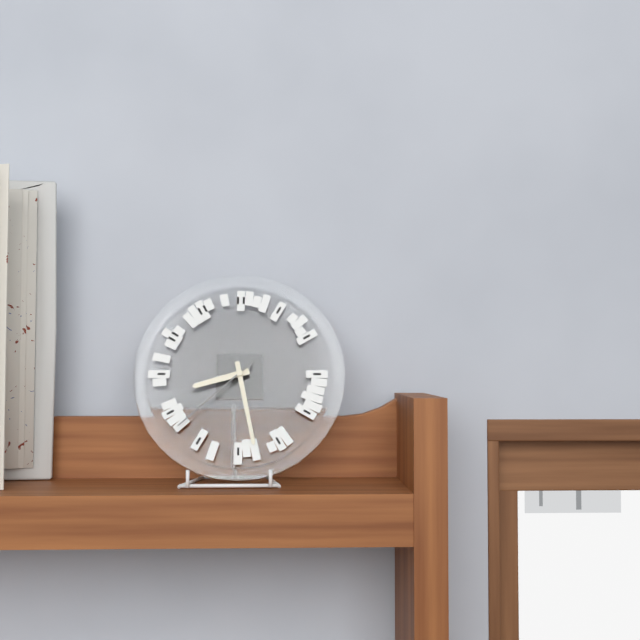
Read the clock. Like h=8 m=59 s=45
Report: h=8 m=28 s=38
